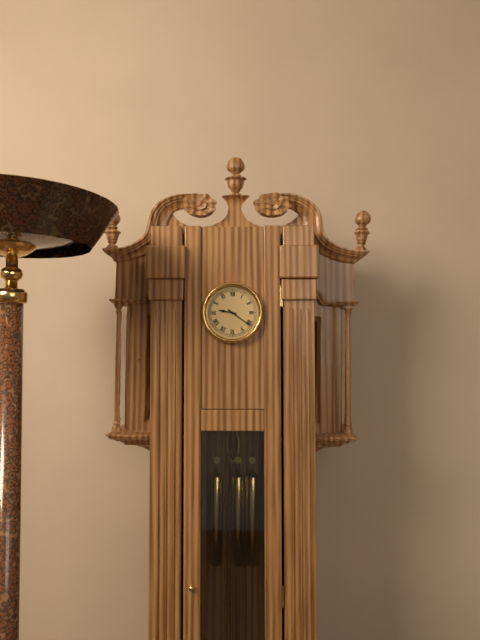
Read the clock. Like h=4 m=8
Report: h=9 m=21
